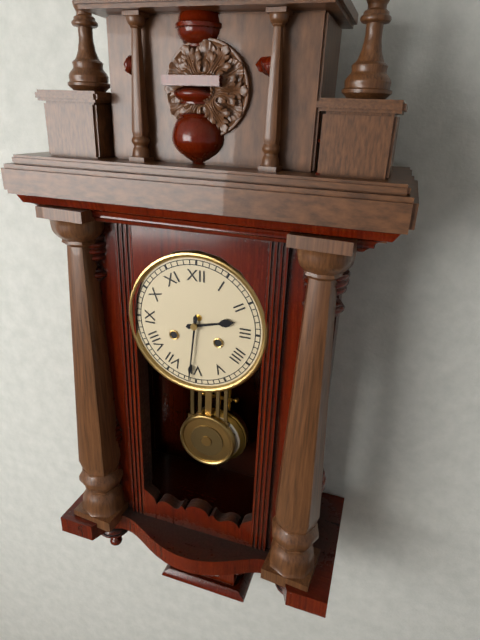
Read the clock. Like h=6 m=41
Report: h=2 m=31
